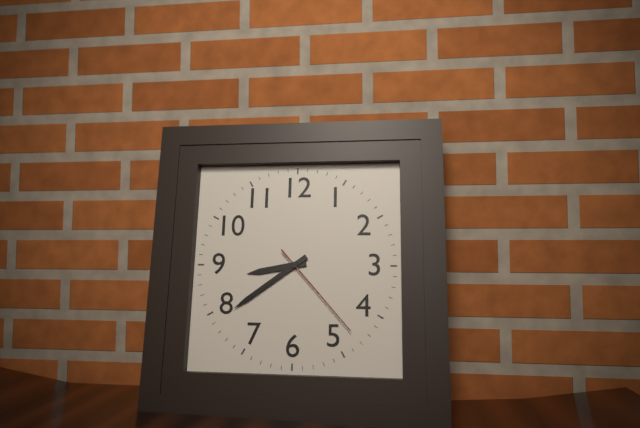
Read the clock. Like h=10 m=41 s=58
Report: h=8 m=39 s=23
